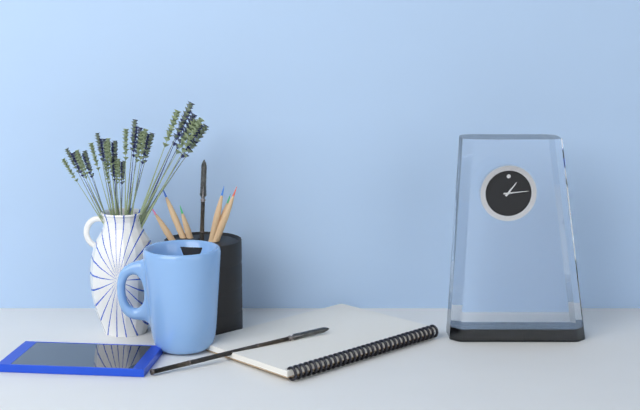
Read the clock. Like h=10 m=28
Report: h=1 m=14
